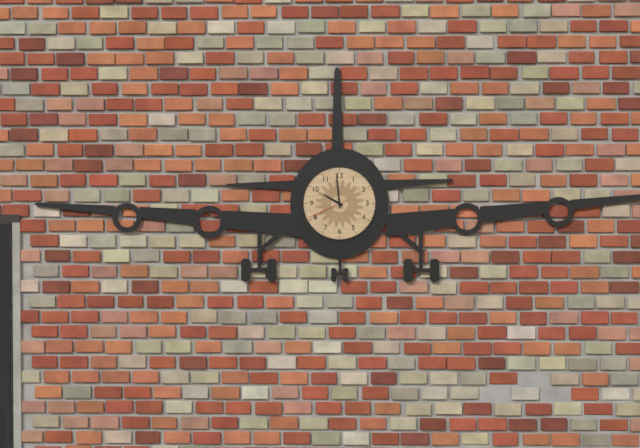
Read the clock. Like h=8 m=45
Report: h=9 m=59
